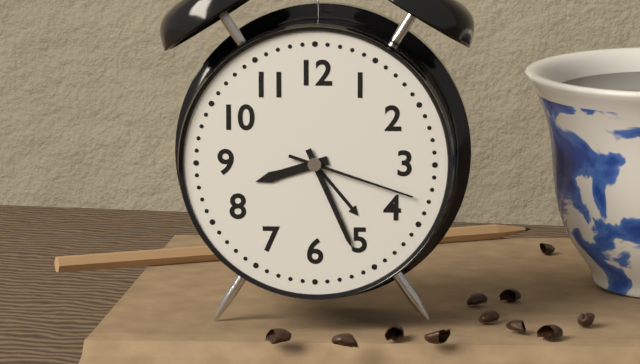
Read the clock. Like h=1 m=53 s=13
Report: h=8 m=26 s=18
